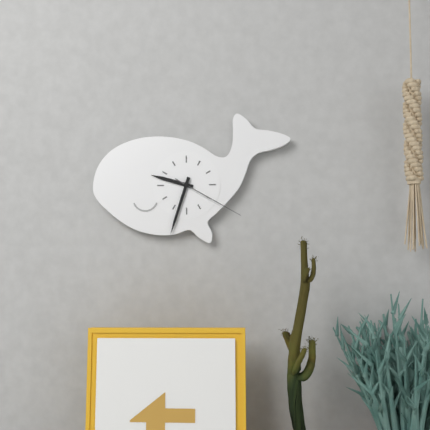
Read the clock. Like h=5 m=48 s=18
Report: h=9 m=33 s=20
